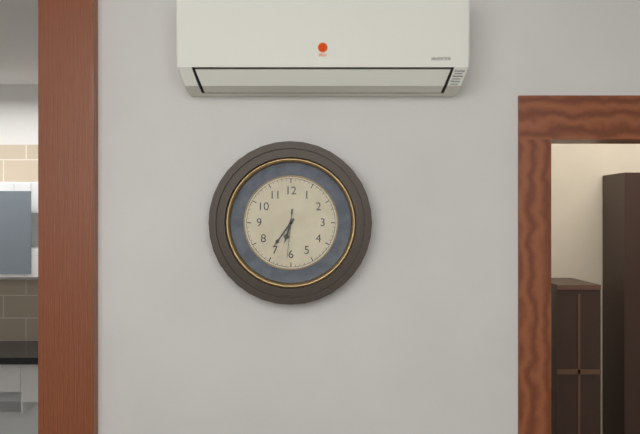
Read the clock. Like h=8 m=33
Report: h=6 m=36
